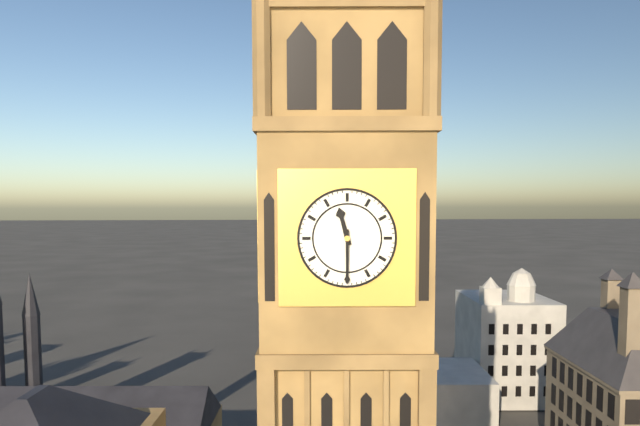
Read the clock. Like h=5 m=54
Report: h=11 m=30
